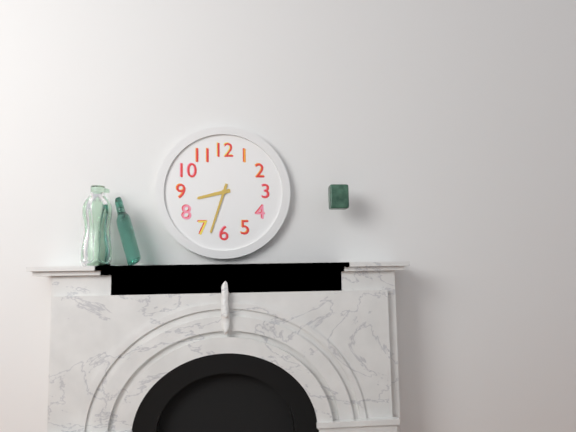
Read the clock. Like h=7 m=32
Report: h=8 m=33
